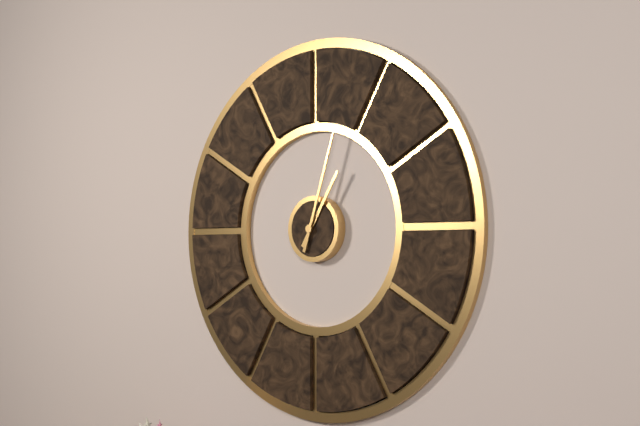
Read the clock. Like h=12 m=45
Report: h=1 m=3
